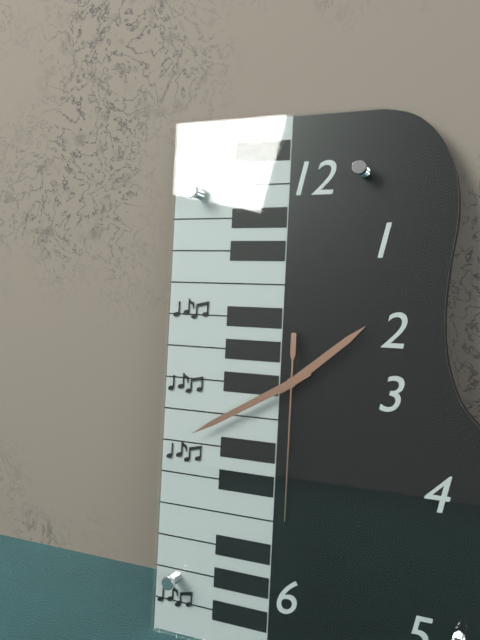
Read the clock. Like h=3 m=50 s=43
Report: h=1 m=40 s=30
